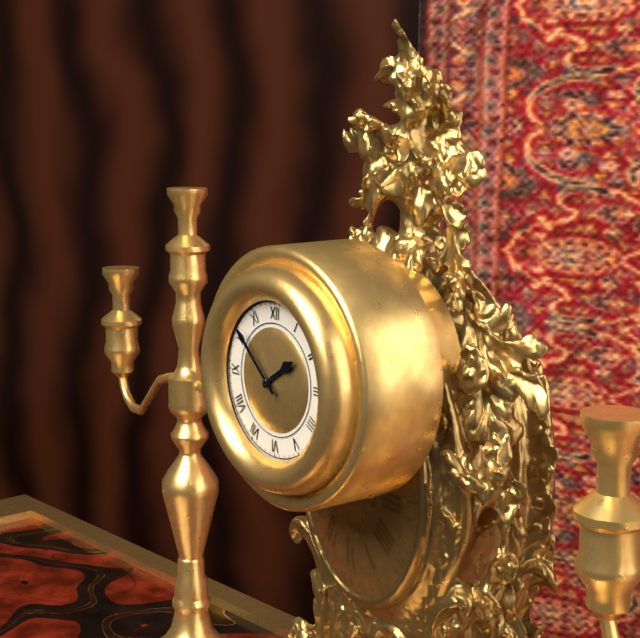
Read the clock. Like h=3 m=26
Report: h=1 m=52
